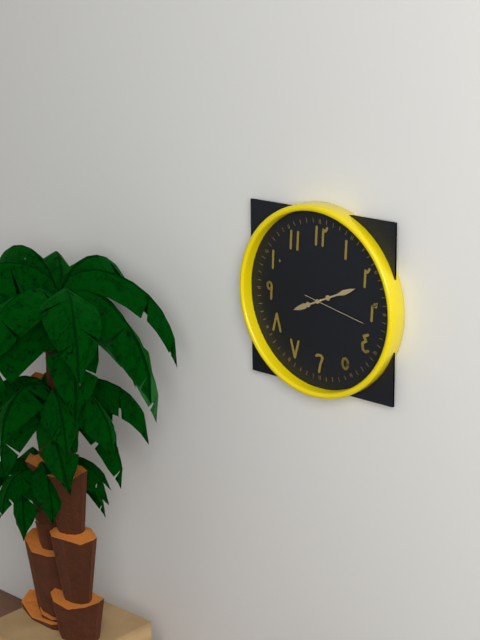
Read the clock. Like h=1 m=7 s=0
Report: h=8 m=11 s=17
